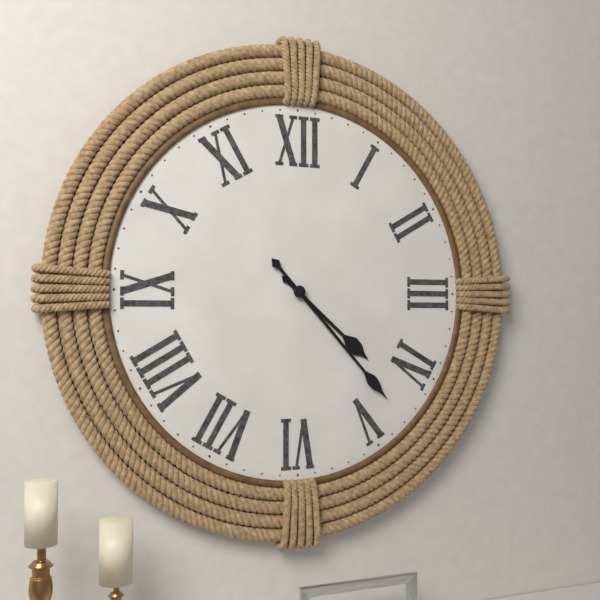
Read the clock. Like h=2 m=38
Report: h=4 m=23
